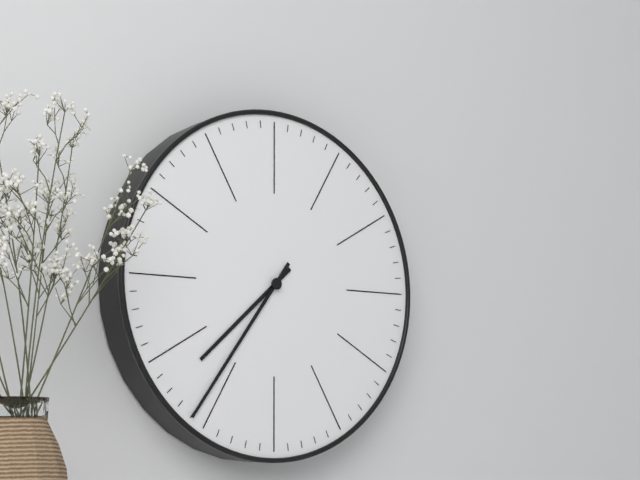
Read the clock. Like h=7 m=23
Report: h=7 m=36
